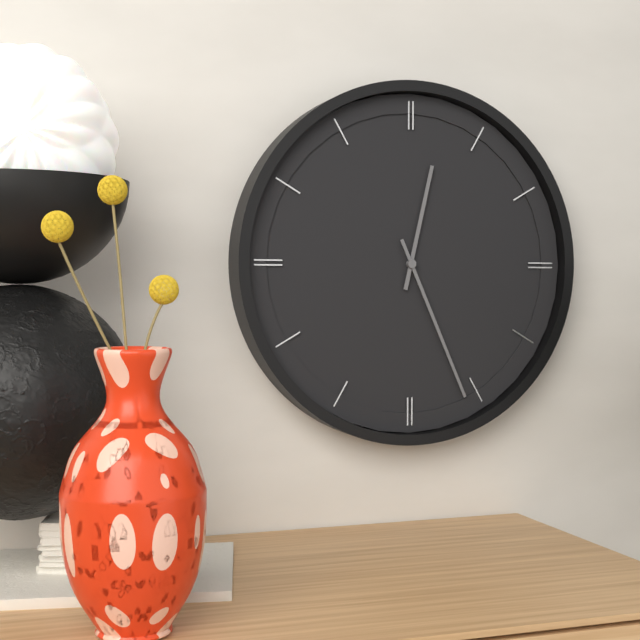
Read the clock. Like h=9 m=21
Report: h=12 m=26
